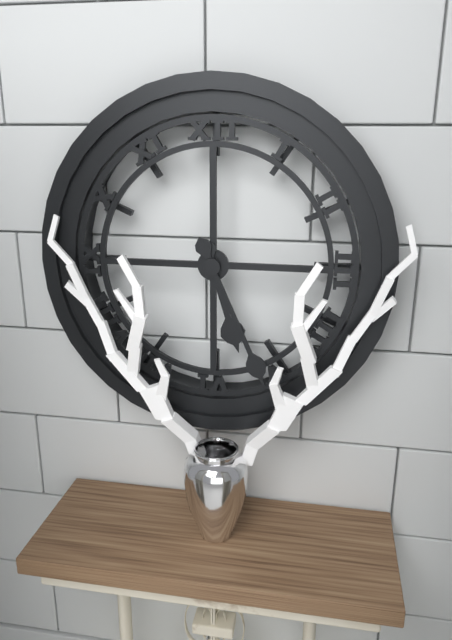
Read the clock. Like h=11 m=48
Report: h=5 m=26
